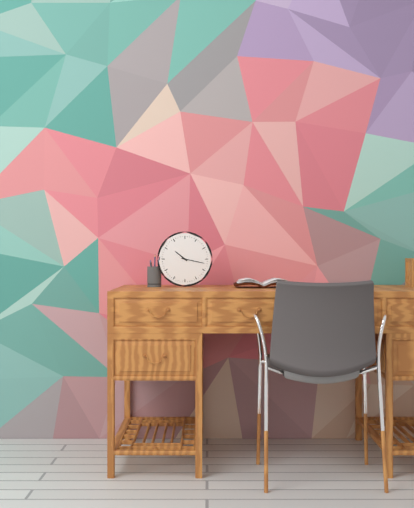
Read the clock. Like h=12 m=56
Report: h=10 m=17
